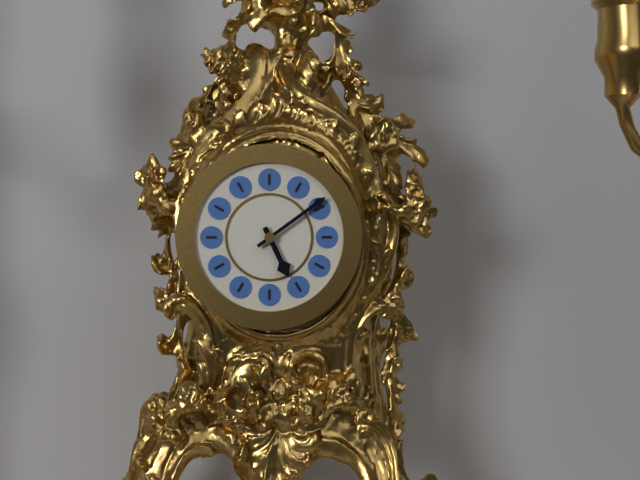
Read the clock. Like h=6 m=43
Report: h=5 m=9
